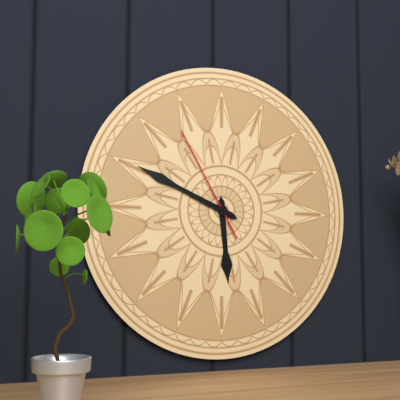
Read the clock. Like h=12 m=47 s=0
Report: h=5 m=49 s=55
